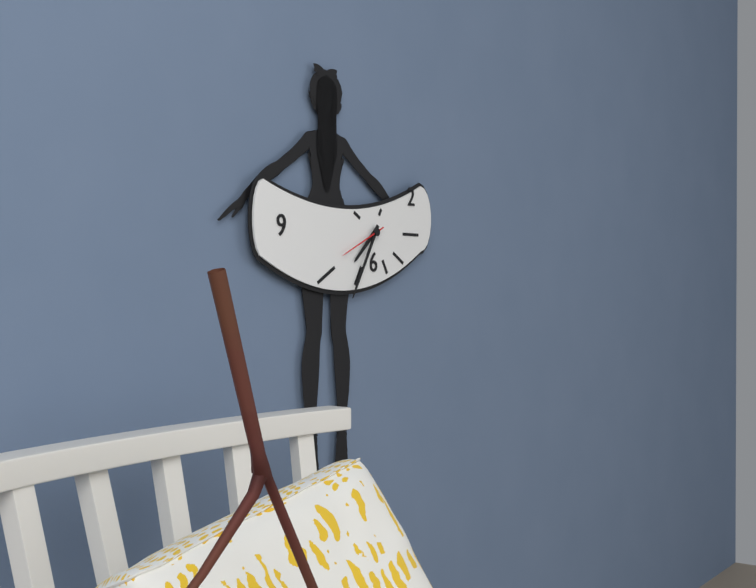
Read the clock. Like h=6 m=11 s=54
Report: h=7 m=35 s=41
